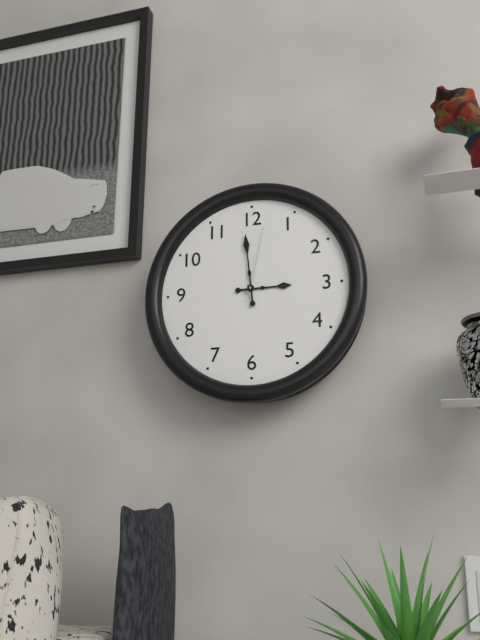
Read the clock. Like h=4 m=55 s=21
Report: h=2 m=59 s=2
